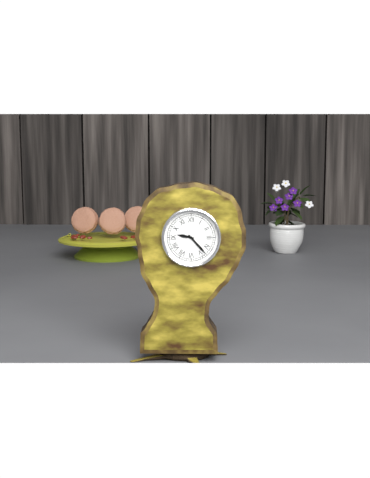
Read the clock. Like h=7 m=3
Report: h=9 m=23
